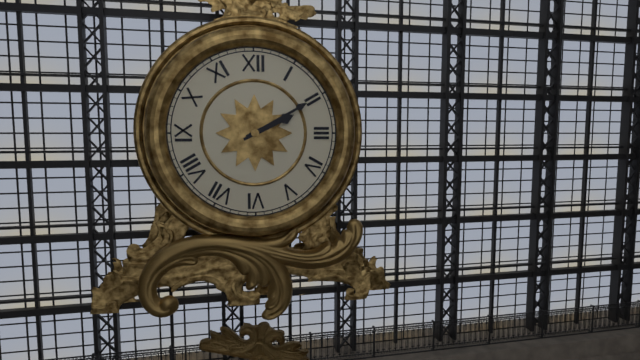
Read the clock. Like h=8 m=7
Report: h=2 m=10
